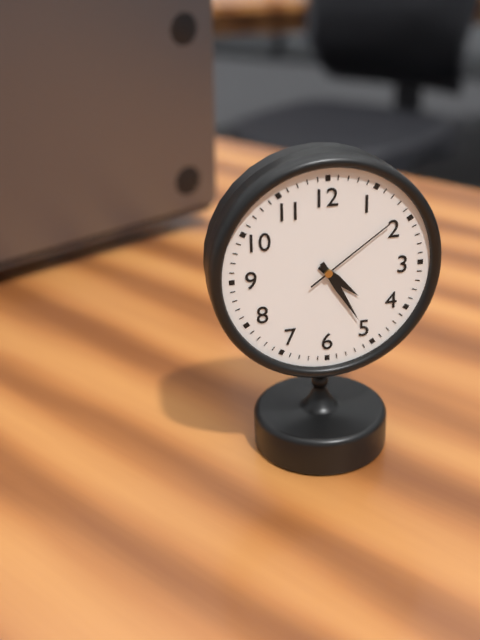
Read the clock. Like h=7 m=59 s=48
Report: h=4 m=25 s=9
